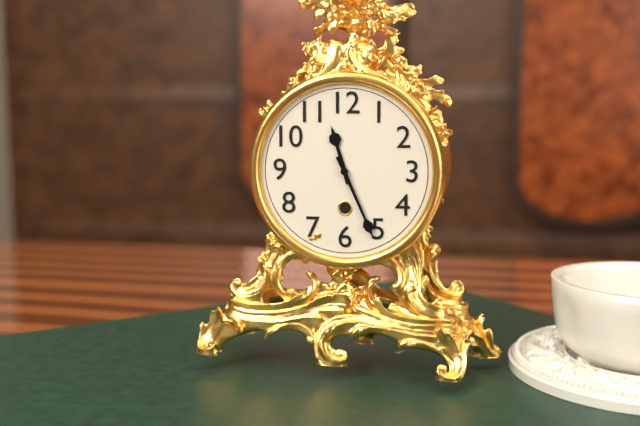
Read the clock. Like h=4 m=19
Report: h=11 m=26
